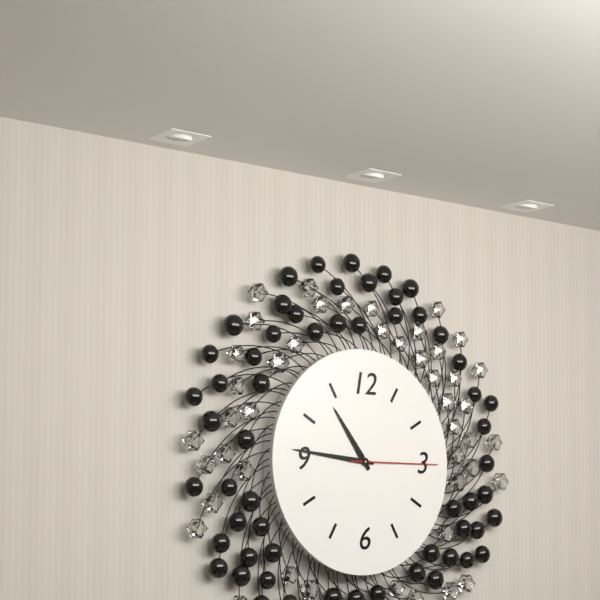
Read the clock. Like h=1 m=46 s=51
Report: h=10 m=46 s=15
